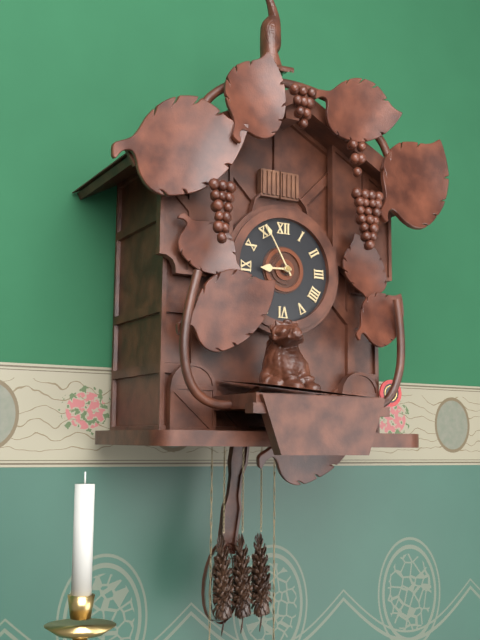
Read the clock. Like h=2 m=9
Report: h=8 m=55
